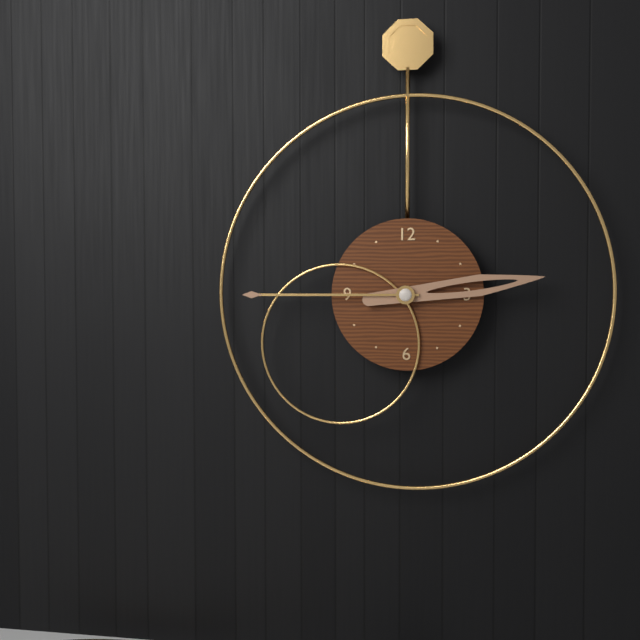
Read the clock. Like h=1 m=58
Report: h=2 m=45
